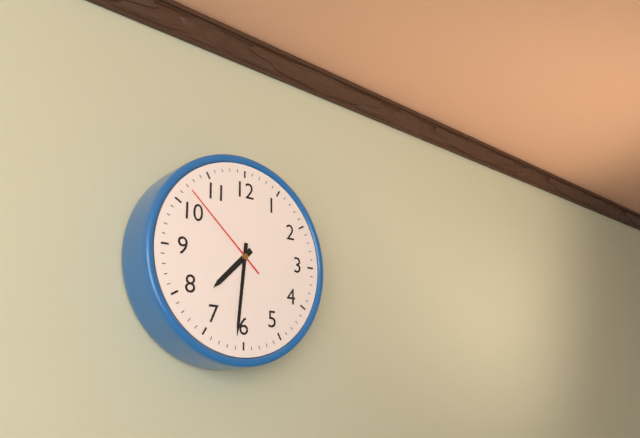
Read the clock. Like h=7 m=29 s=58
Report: h=7 m=31 s=52
